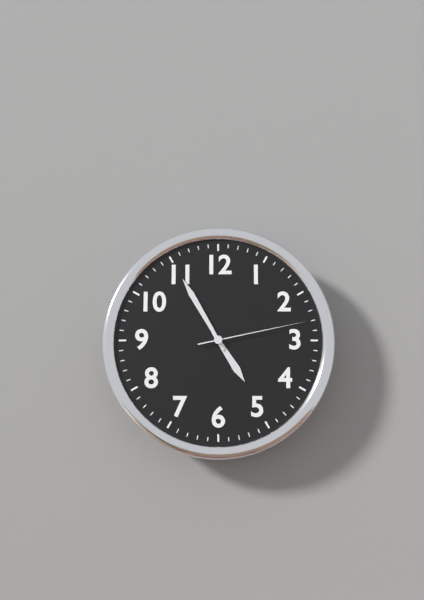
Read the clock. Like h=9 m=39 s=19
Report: h=4 m=55 s=13
